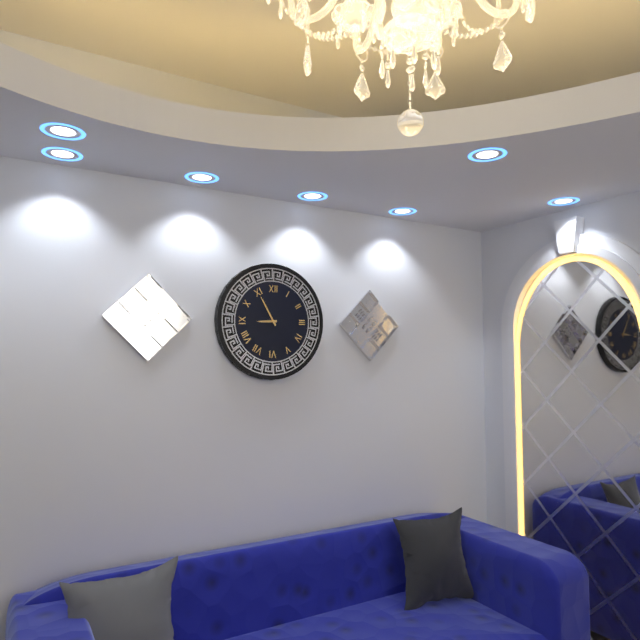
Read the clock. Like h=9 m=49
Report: h=8 m=55
